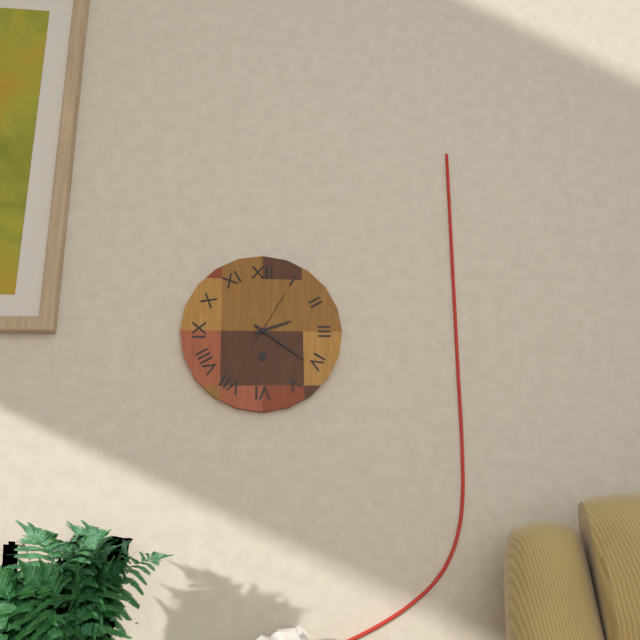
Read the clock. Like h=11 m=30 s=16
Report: h=2 m=21 s=5
